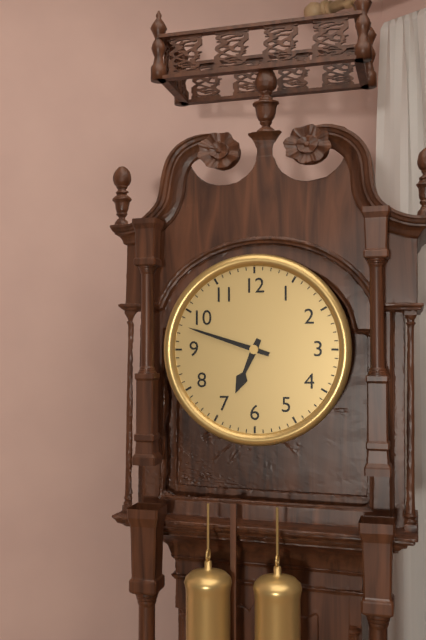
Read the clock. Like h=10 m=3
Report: h=6 m=48
